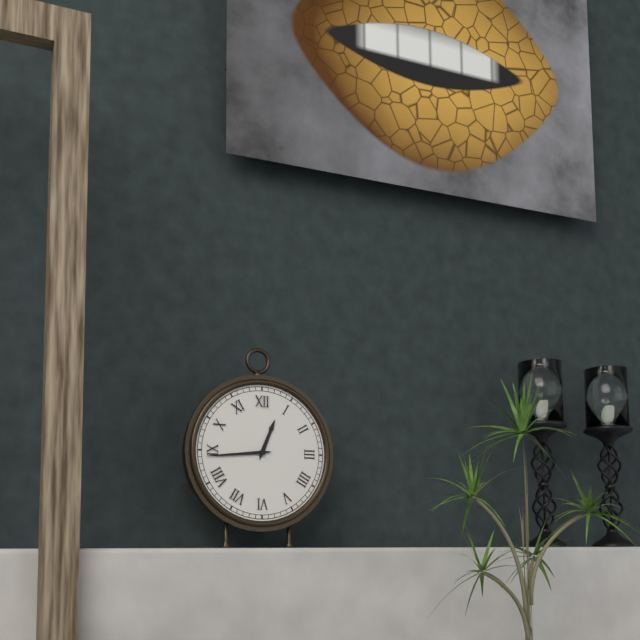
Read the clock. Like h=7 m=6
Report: h=12 m=44
